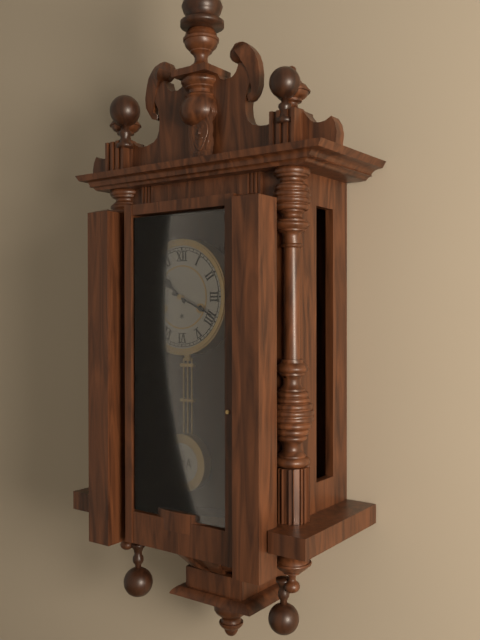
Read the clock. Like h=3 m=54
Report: h=10 m=19
